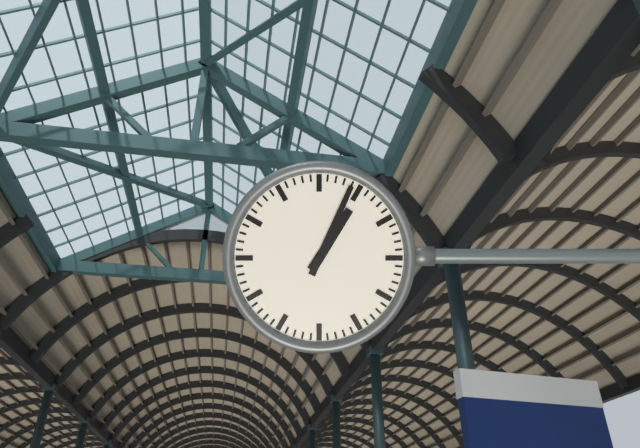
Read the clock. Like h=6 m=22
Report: h=1 m=4
